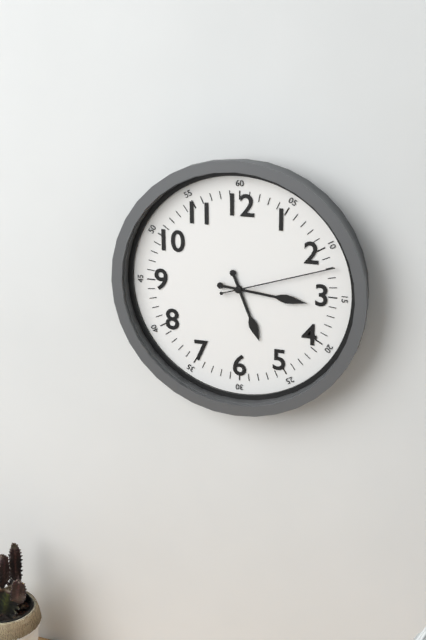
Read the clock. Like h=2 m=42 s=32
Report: h=5 m=16 s=12
